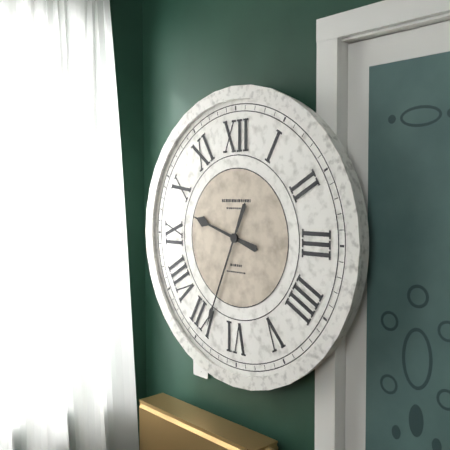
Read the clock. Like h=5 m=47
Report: h=9 m=34
